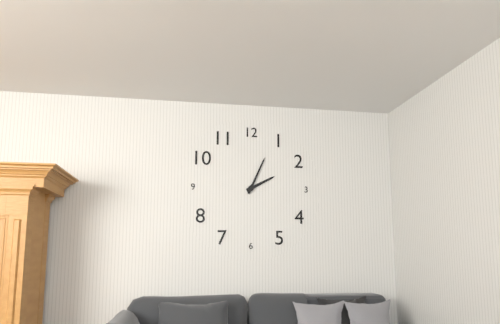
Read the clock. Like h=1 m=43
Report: h=2 m=4
